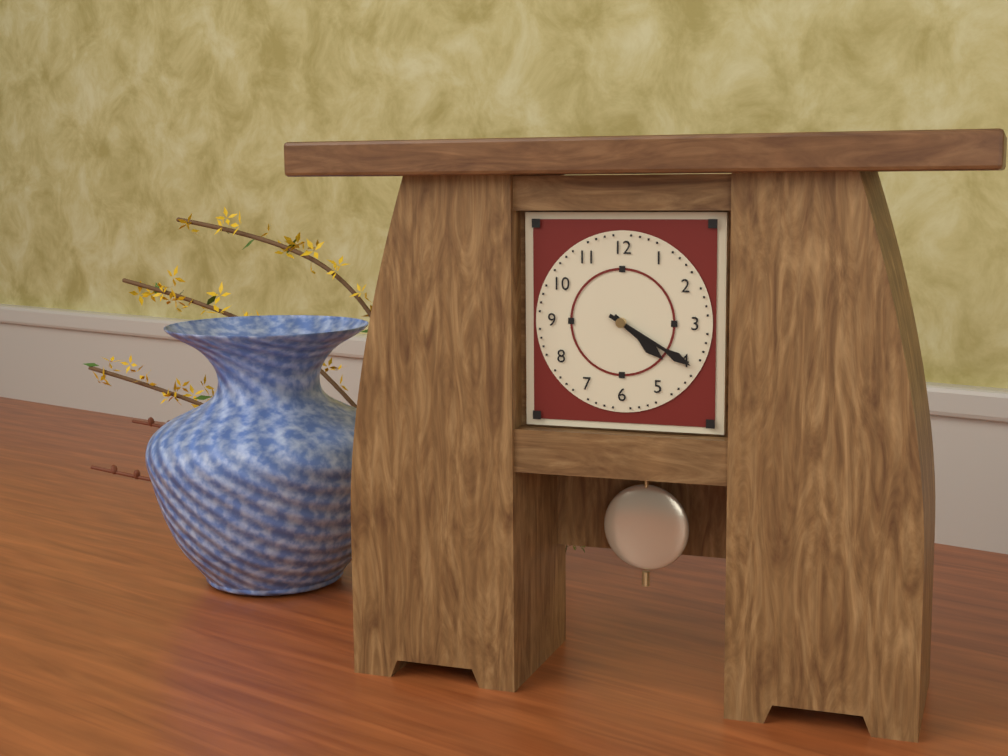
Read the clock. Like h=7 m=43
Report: h=4 m=20
